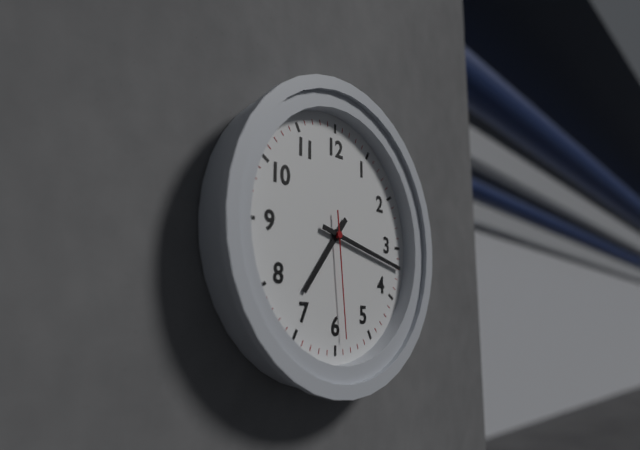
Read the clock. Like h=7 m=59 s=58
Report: h=7 m=17 s=29
